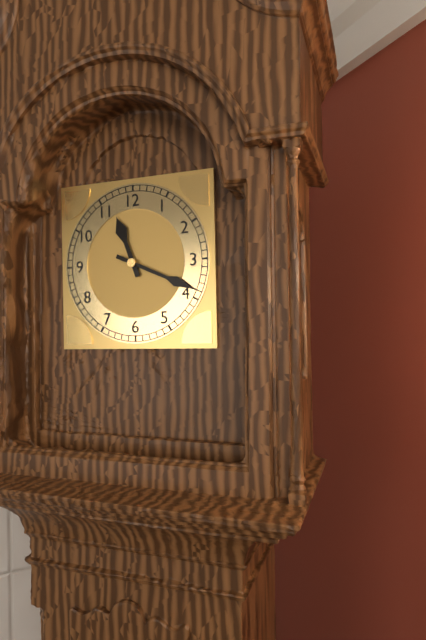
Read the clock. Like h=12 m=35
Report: h=11 m=19
